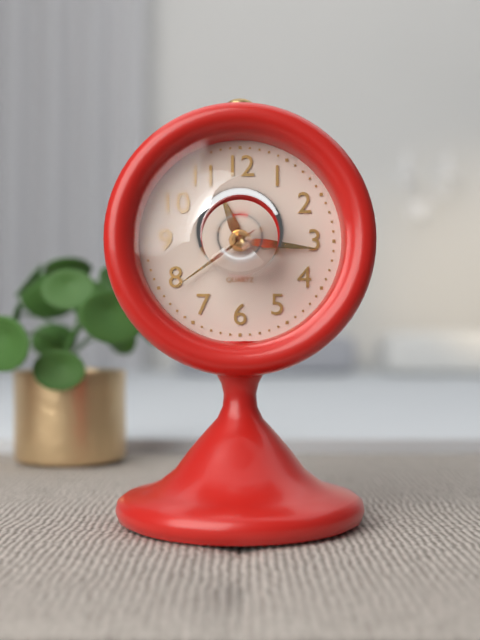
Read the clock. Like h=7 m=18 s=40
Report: h=11 m=16 s=39
